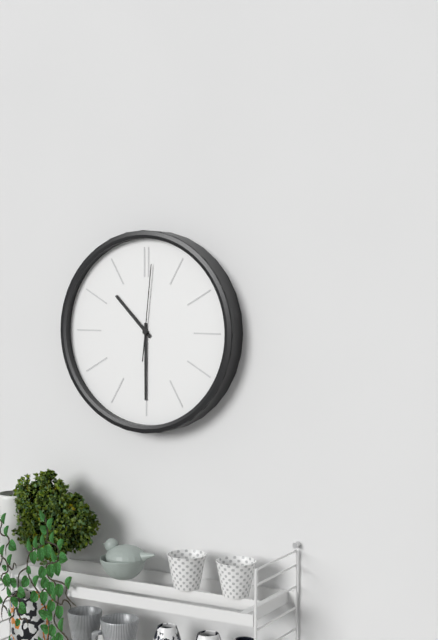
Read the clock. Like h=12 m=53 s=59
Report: h=10 m=30 s=1
